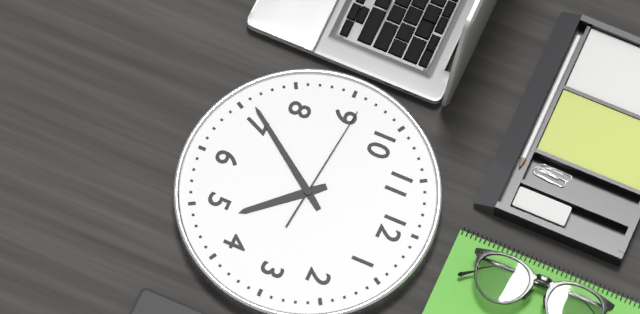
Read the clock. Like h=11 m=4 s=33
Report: h=4 m=36 s=46
